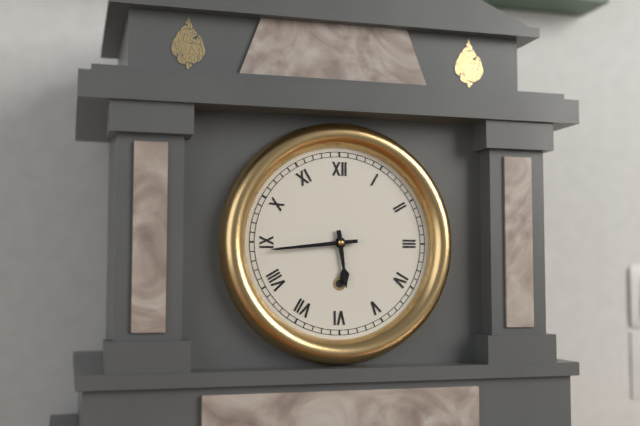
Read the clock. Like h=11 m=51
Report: h=5 m=44
